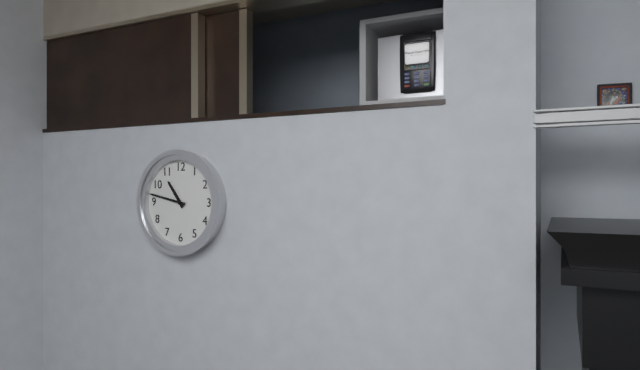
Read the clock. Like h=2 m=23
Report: h=10 m=47
